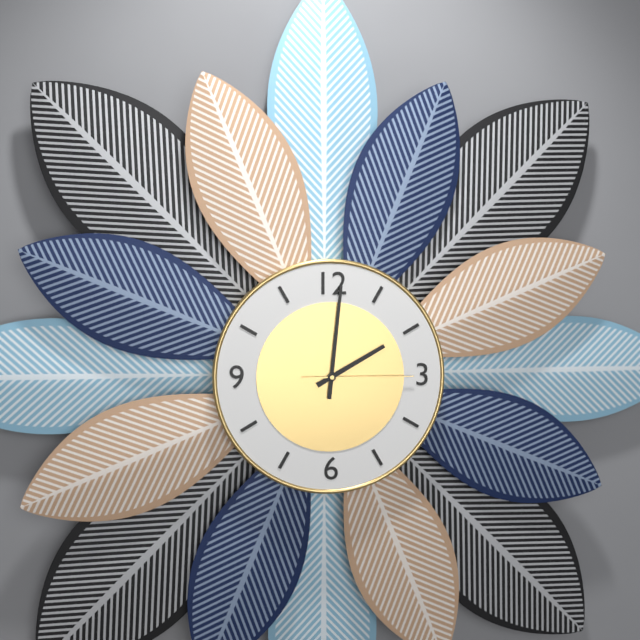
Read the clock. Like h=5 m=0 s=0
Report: h=2 m=1 s=15
